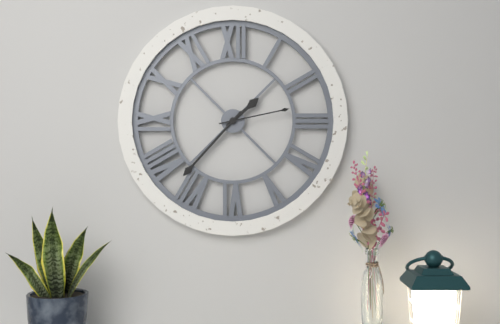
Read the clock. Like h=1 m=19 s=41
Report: h=1 m=37 s=13
